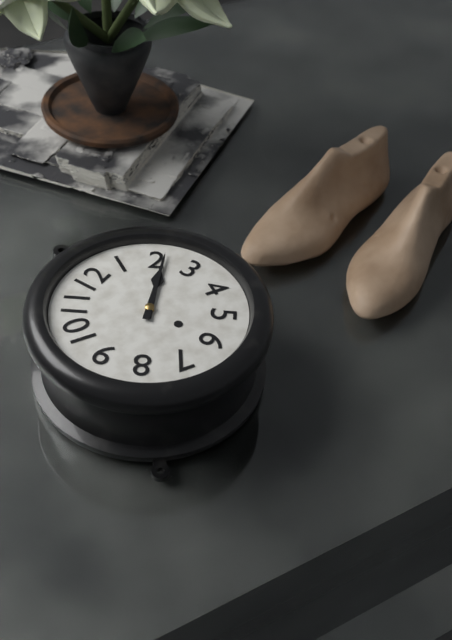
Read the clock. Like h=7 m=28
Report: h=2 m=11
